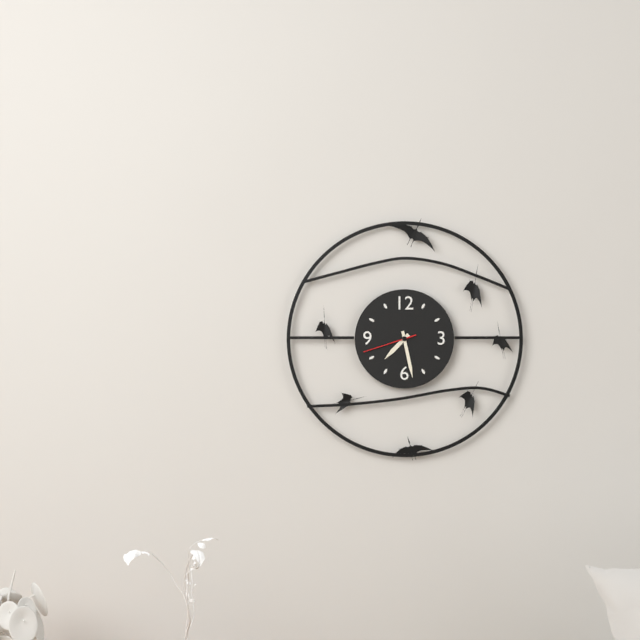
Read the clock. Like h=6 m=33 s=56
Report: h=7 m=28 s=42
